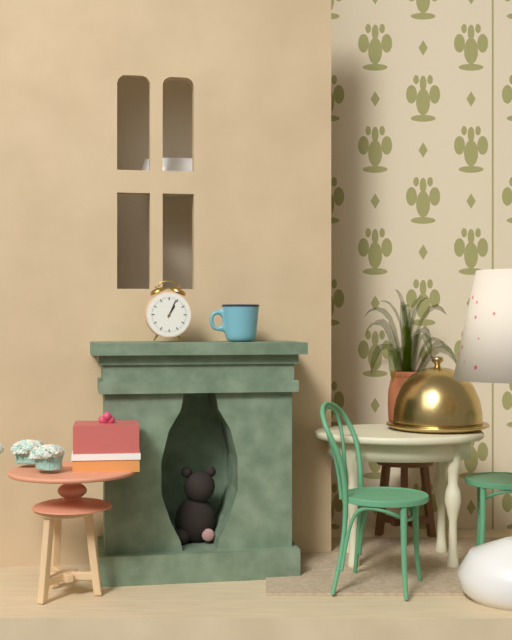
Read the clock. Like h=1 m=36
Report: h=1 m=4
